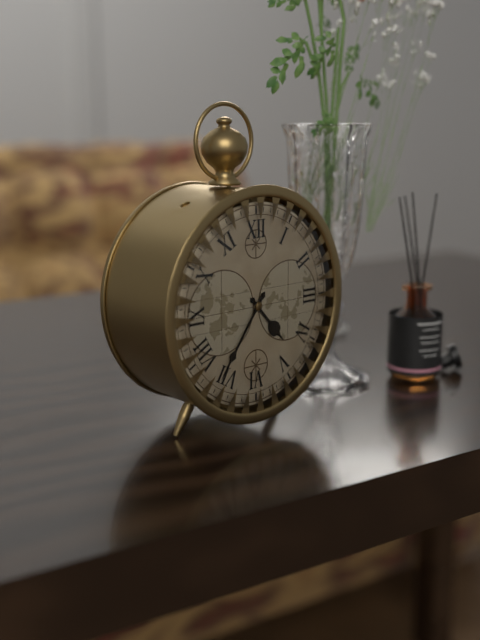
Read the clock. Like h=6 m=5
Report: h=4 m=36
